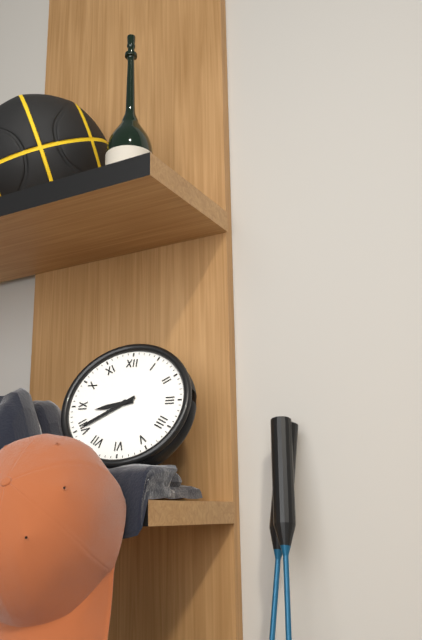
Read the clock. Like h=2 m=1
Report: h=8 m=40
